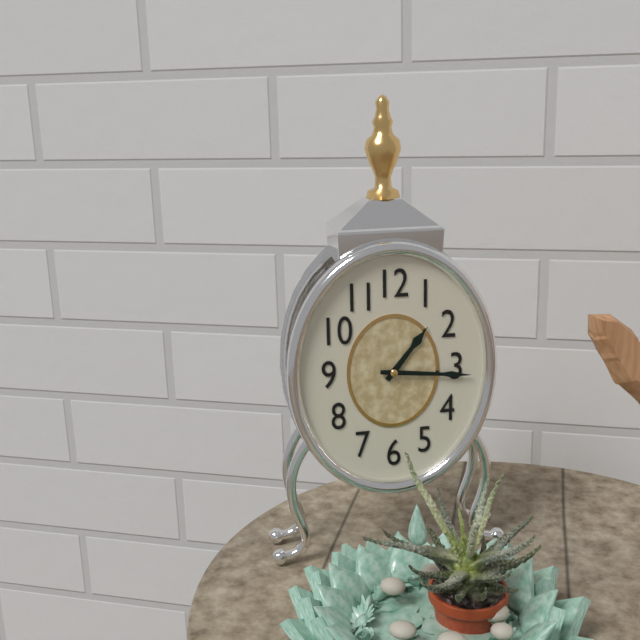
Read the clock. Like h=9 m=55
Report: h=1 m=16
